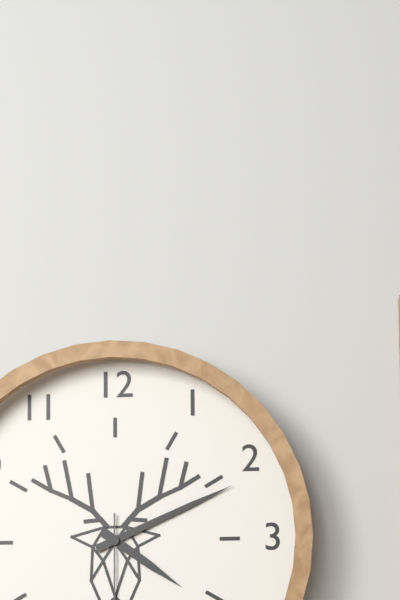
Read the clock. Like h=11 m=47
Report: h=4 m=11
